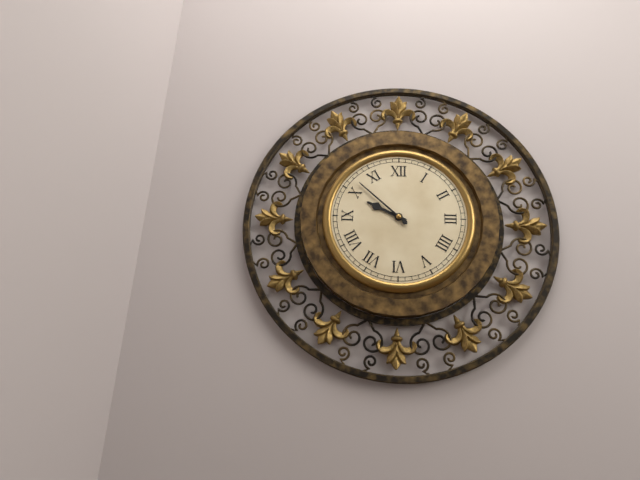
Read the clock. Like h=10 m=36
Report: h=9 m=52
